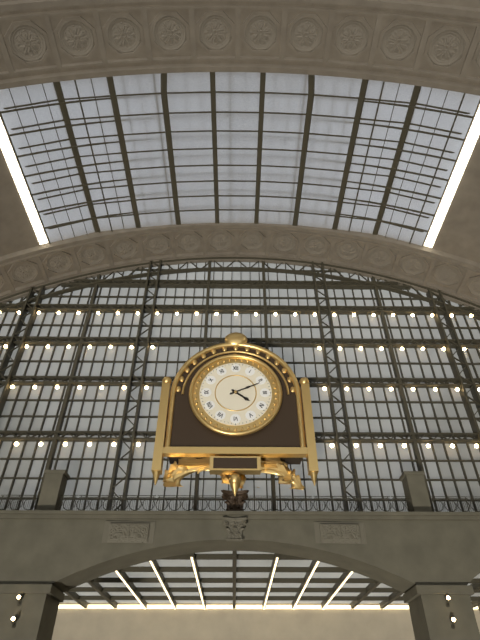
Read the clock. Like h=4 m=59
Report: h=4 m=11
